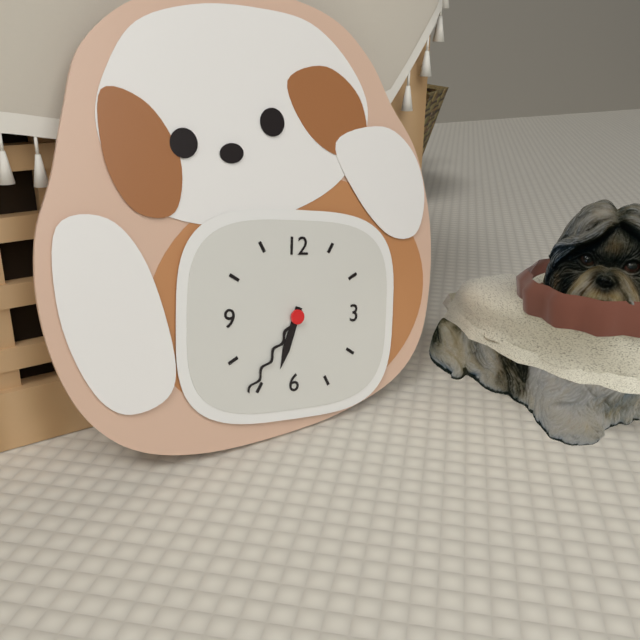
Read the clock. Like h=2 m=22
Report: h=6 m=36
